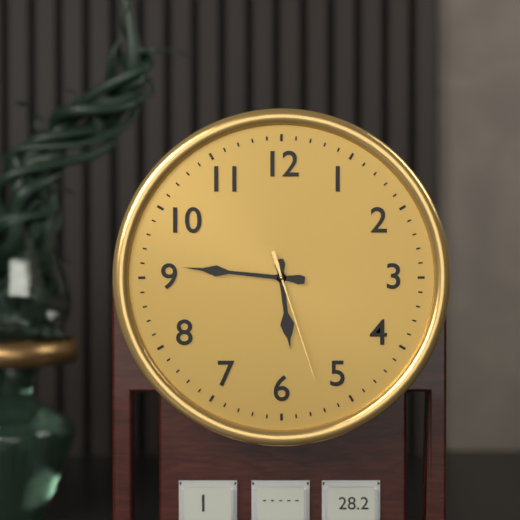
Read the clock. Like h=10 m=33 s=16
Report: h=5 m=46 s=27
